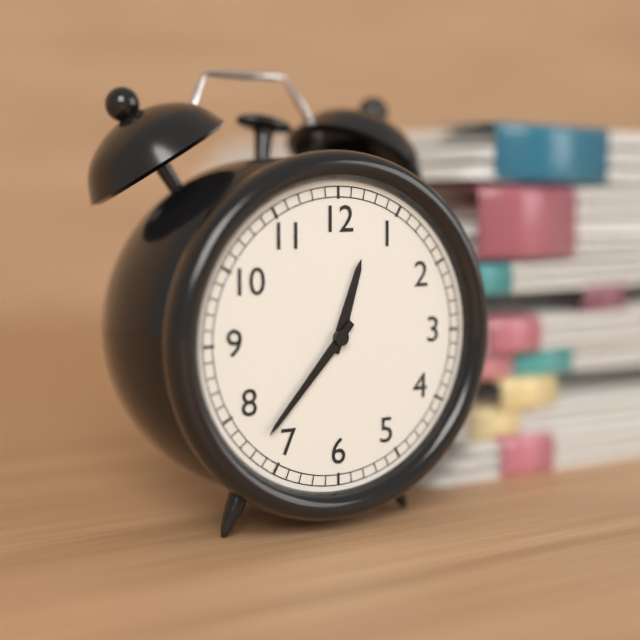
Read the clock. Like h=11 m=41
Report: h=12 m=37
